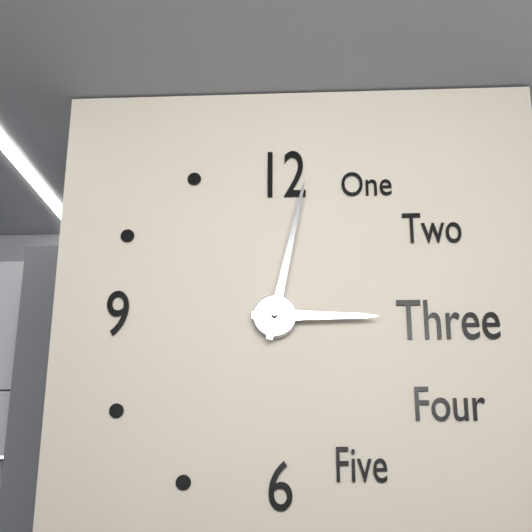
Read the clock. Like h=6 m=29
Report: h=3 m=2
